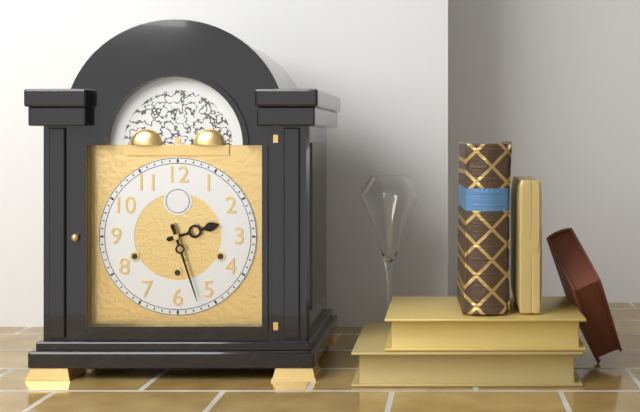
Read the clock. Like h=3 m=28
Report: h=2 m=27
